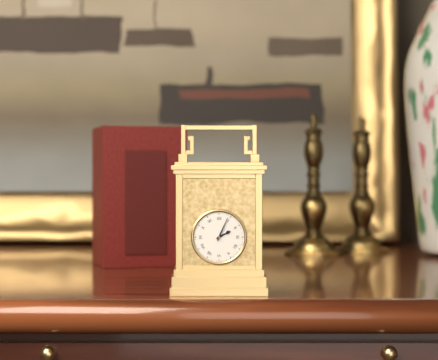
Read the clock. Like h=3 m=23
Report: h=2 m=4
